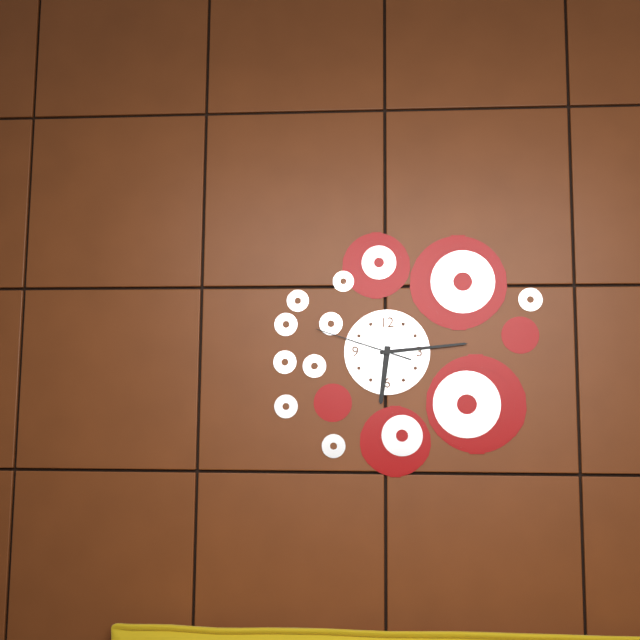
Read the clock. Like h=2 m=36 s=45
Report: h=6 m=14 s=48
